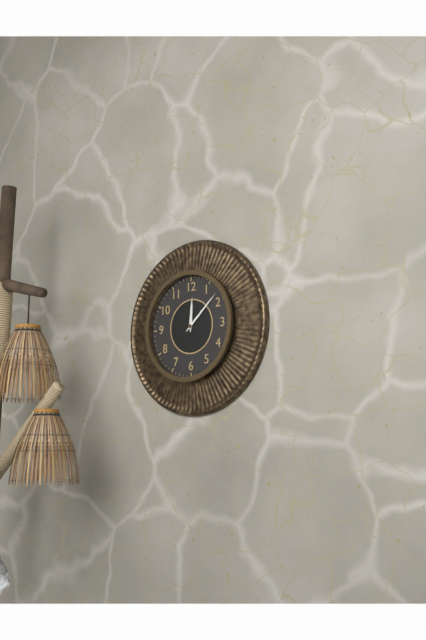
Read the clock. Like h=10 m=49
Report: h=12 m=8
